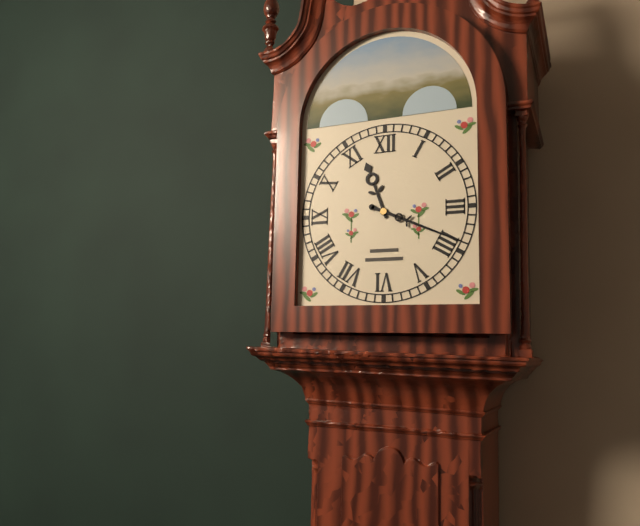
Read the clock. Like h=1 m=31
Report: h=11 m=19
